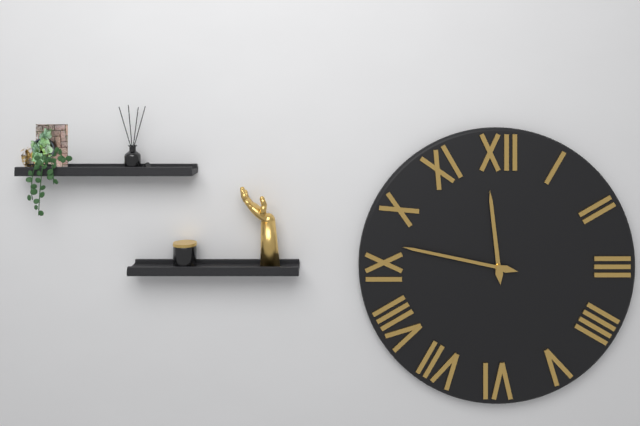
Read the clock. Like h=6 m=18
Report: h=11 m=47
